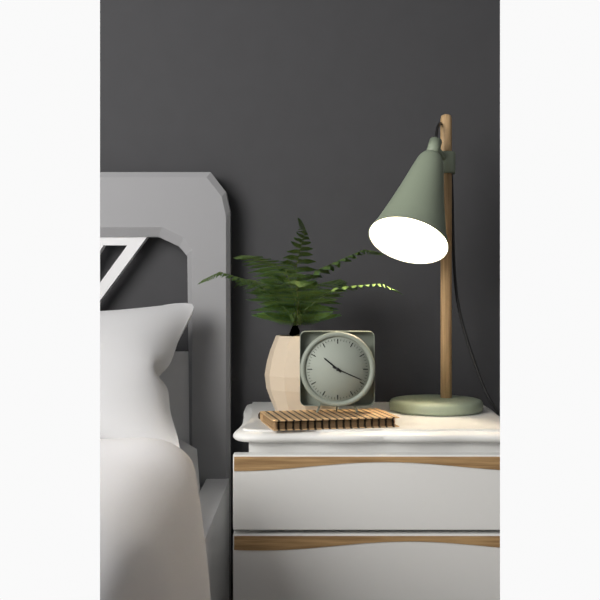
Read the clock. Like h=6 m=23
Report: h=10 m=19
